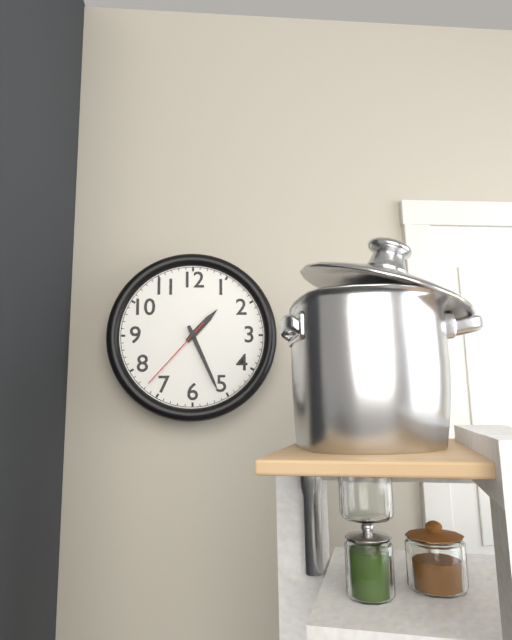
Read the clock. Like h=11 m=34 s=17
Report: h=1 m=26 s=37
